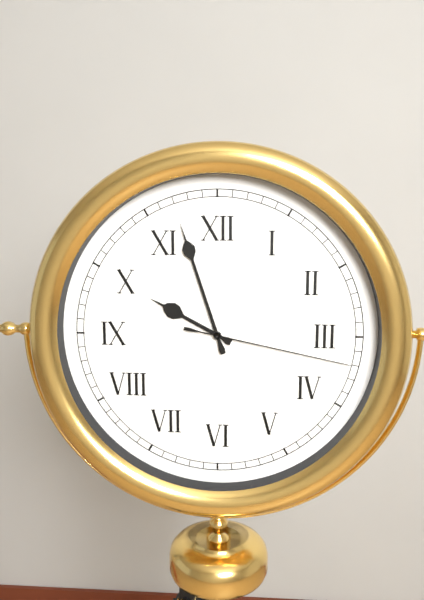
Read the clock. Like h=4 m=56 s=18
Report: h=9 m=57 s=17
